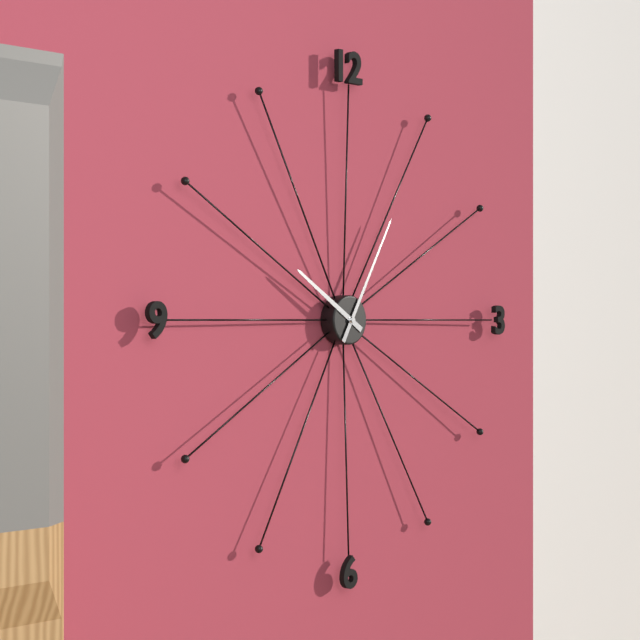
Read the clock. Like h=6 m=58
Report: h=10 m=5
